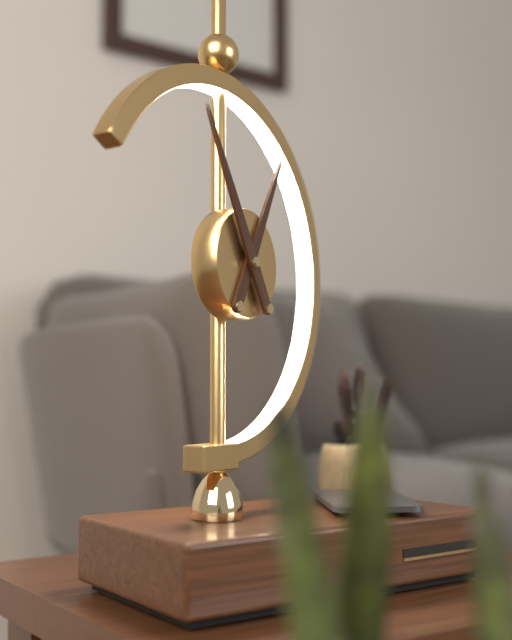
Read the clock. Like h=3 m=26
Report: h=12 m=55
